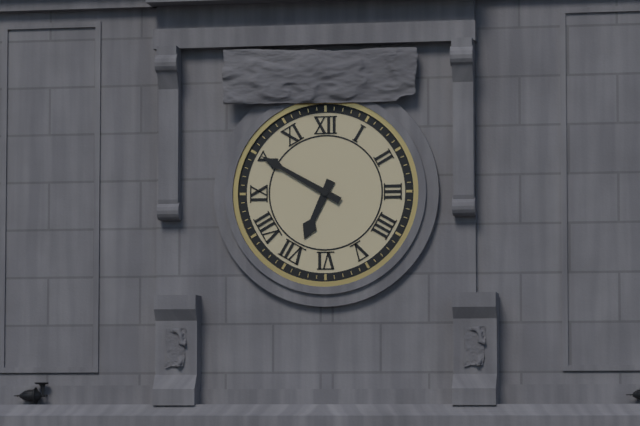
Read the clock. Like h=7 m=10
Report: h=6 m=50
